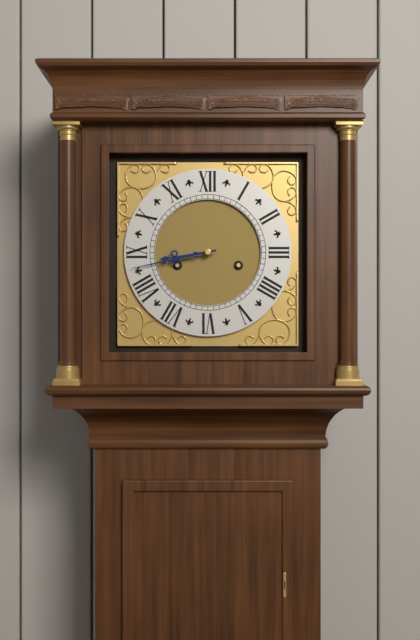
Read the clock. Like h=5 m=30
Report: h=8 m=43
